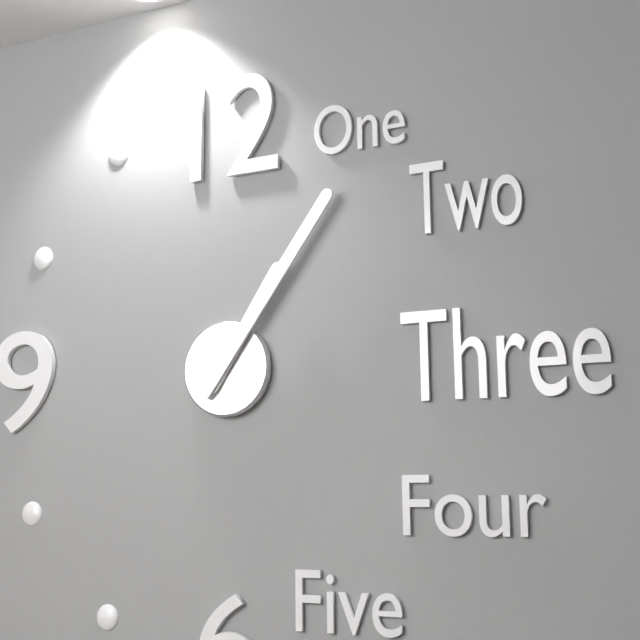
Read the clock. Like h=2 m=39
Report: h=1 m=6
